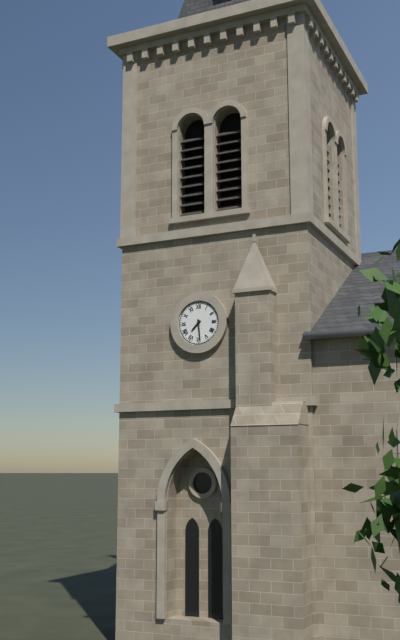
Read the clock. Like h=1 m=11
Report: h=7 m=29
